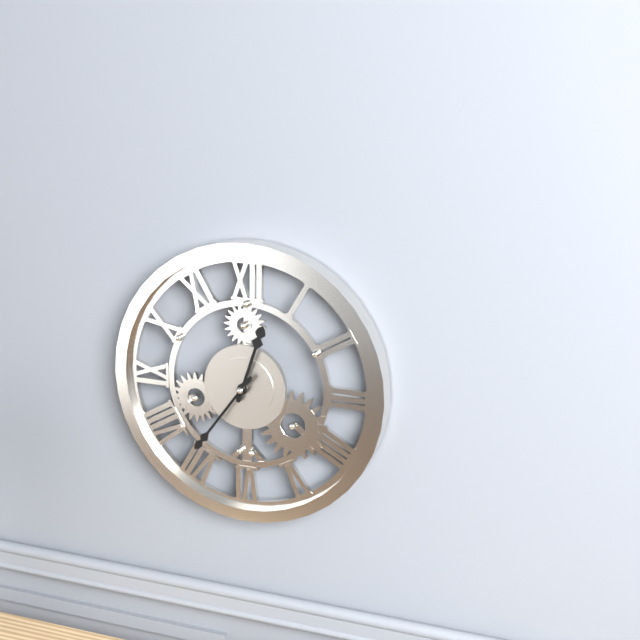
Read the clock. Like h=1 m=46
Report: h=12 m=36
